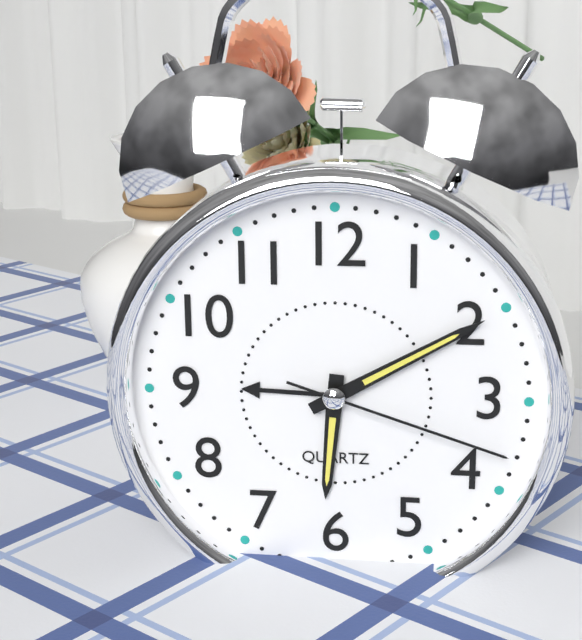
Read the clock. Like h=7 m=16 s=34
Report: h=6 m=10 s=18
